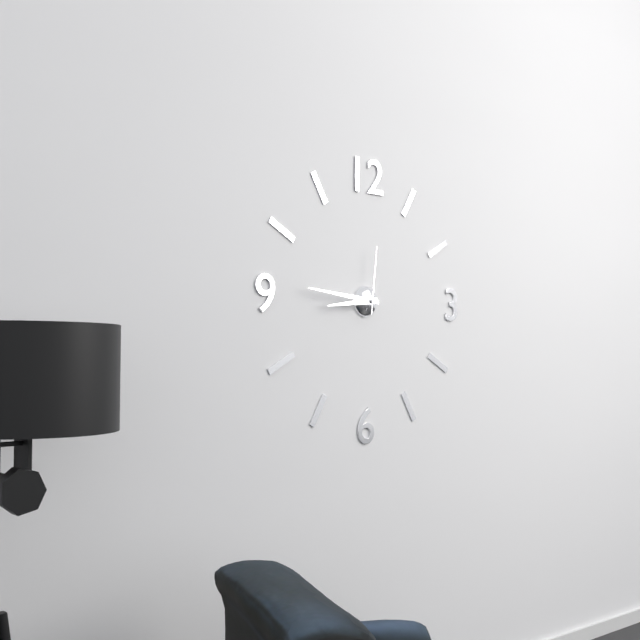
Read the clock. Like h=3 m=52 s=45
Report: h=8 m=46 s=1
